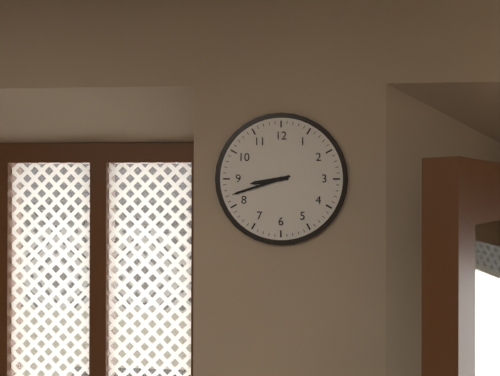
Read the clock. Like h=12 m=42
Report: h=8 m=42
